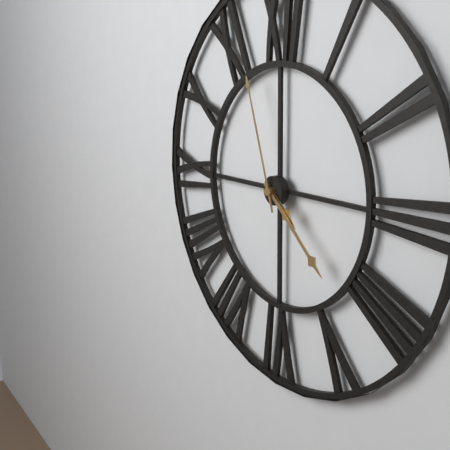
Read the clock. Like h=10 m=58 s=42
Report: h=4 m=22 s=57
